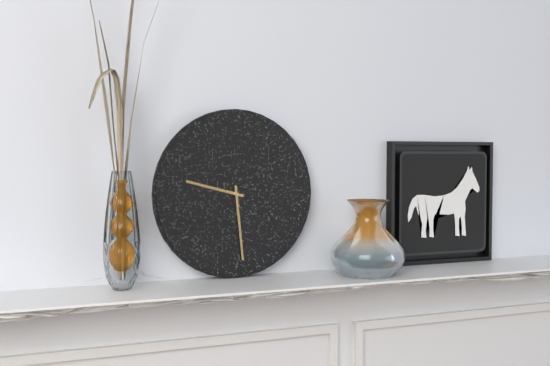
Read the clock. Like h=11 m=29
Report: h=9 m=29
